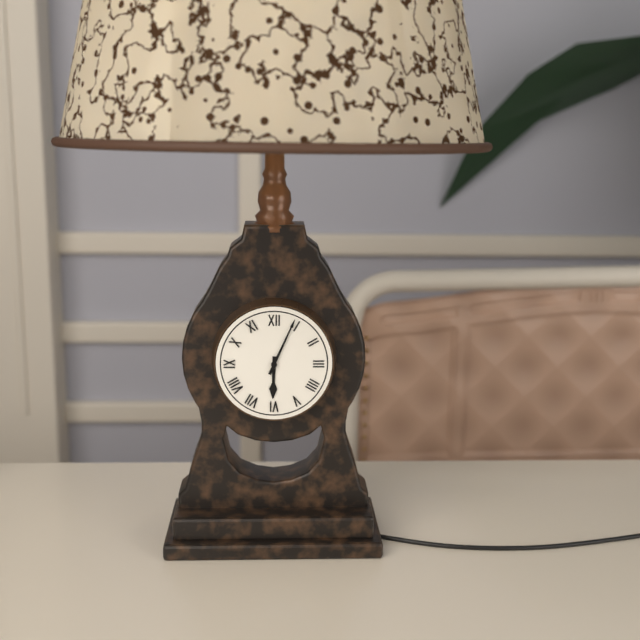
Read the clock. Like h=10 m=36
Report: h=6 m=4
